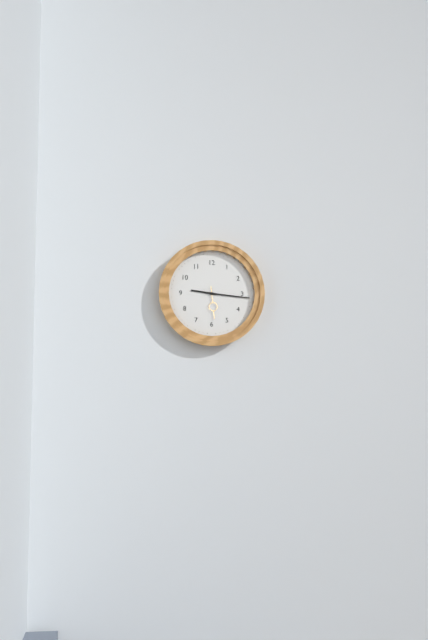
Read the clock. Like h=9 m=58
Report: h=9 m=16
